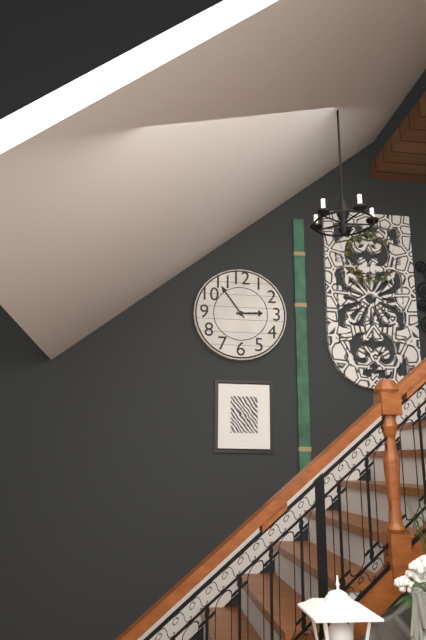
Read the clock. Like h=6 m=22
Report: h=2 m=54
